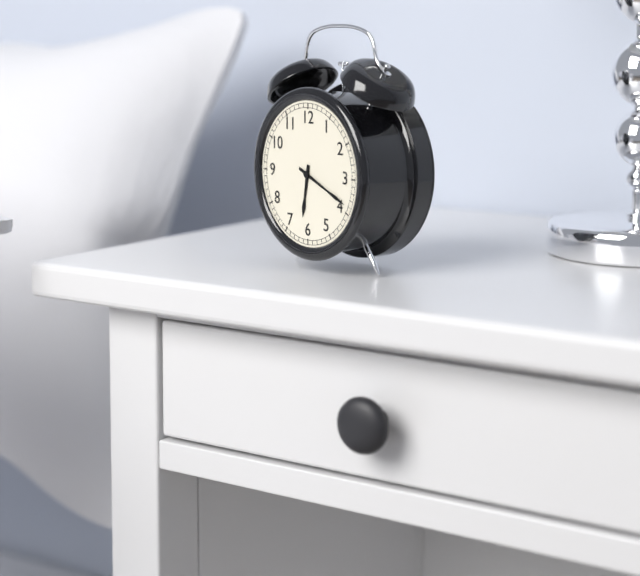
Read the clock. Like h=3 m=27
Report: h=6 m=19
